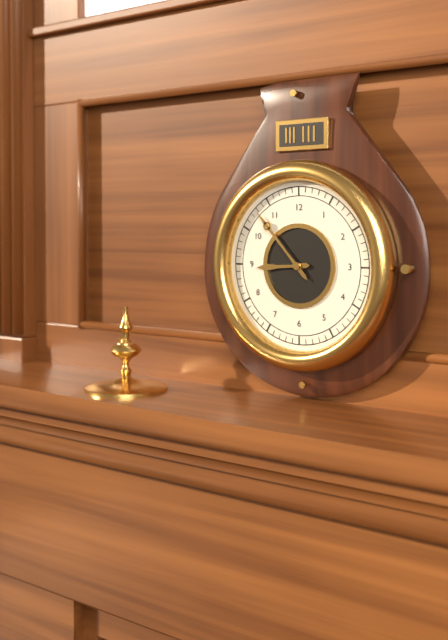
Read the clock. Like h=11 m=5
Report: h=8 m=53
